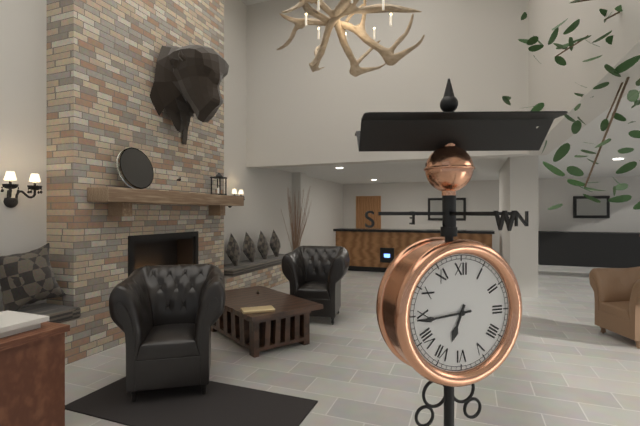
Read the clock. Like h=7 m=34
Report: h=6 m=44
